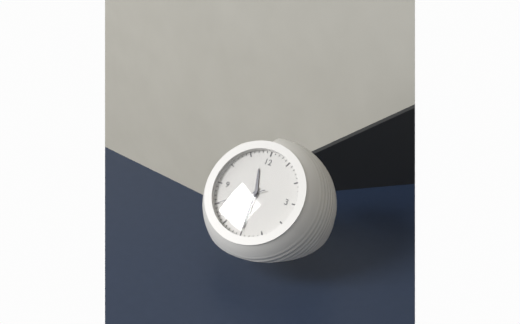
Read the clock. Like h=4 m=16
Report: h=11 m=30
